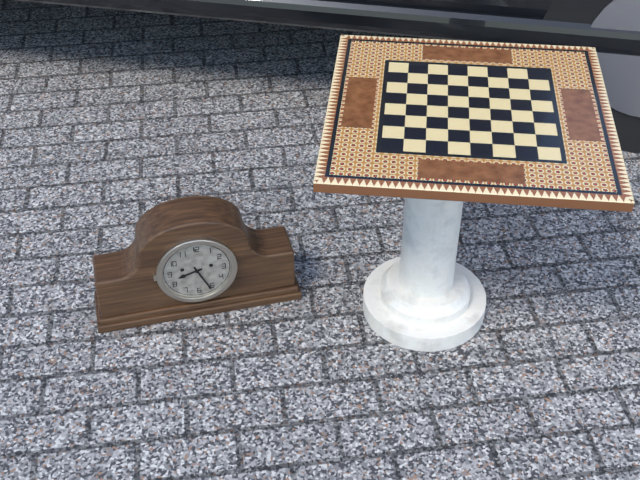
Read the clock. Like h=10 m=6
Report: h=8 m=26
